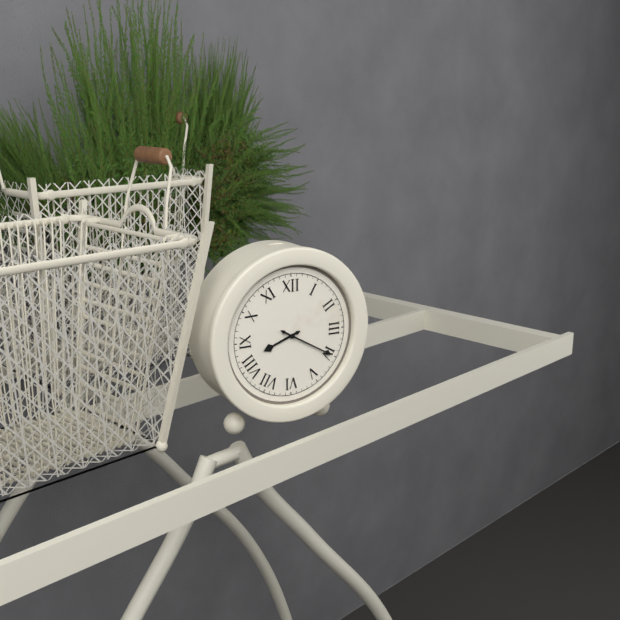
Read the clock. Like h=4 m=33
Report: h=8 m=20
